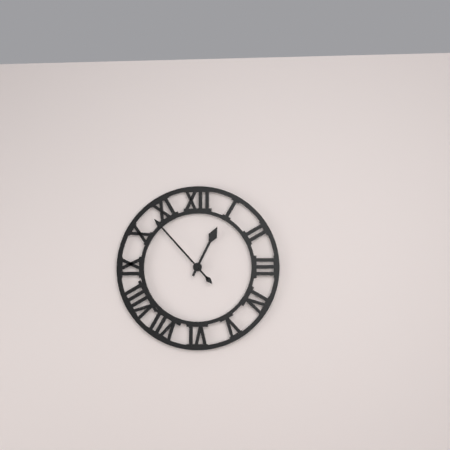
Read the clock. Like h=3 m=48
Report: h=12 m=53
